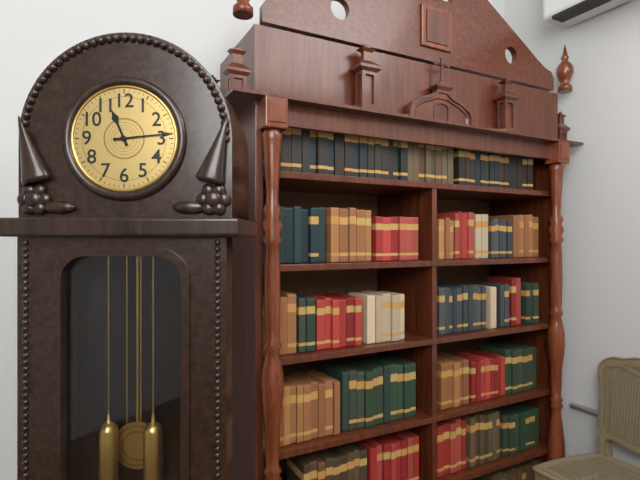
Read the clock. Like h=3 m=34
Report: h=11 m=14
